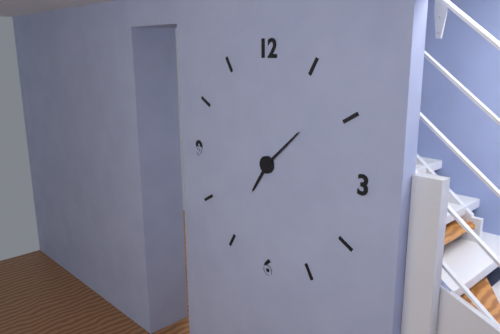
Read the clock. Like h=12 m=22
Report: h=7 m=8
